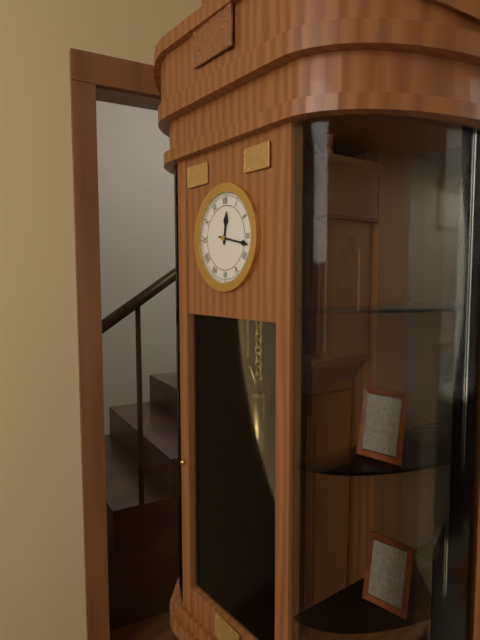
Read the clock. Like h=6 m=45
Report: h=12 m=17
